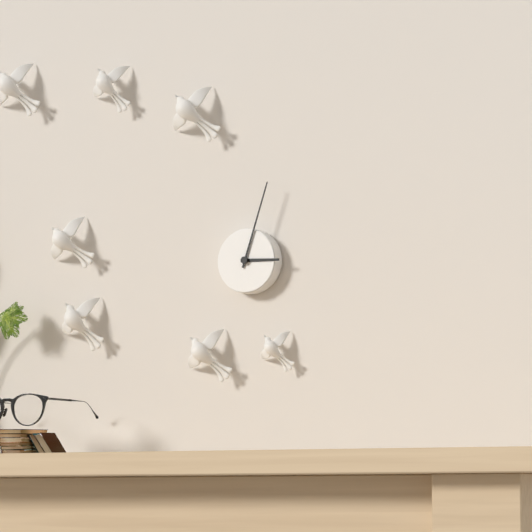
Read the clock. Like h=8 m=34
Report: h=3 m=3
